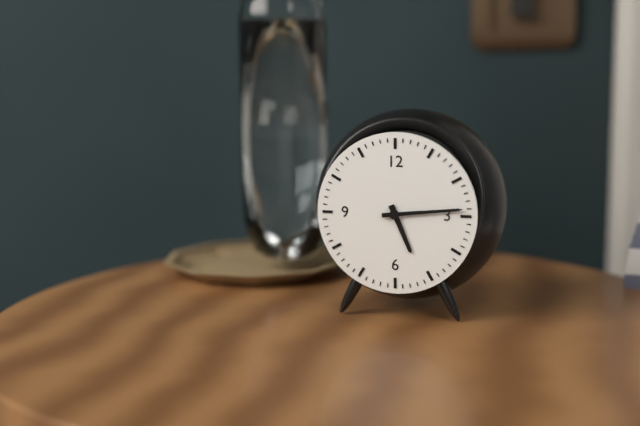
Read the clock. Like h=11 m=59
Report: h=5 m=14
